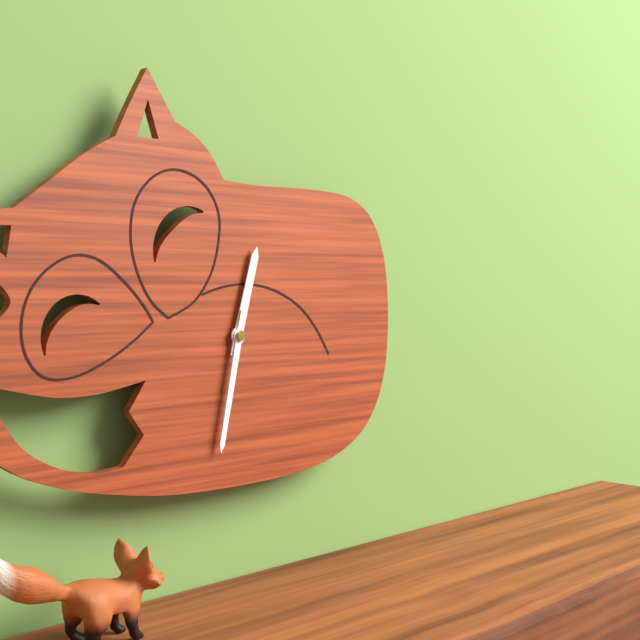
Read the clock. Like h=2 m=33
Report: h=12 m=32
